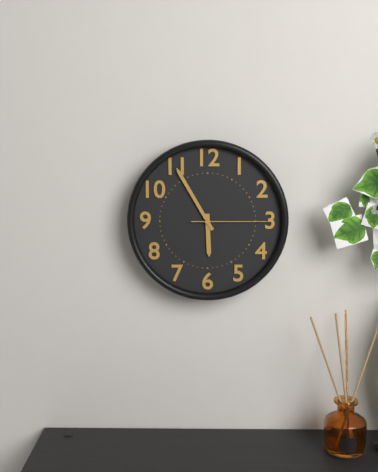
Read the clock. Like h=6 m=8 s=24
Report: h=5 m=55 s=15
